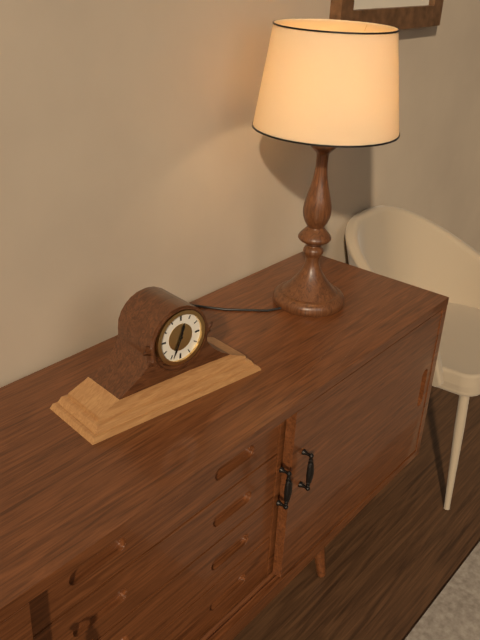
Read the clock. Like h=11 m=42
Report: h=12 m=34
